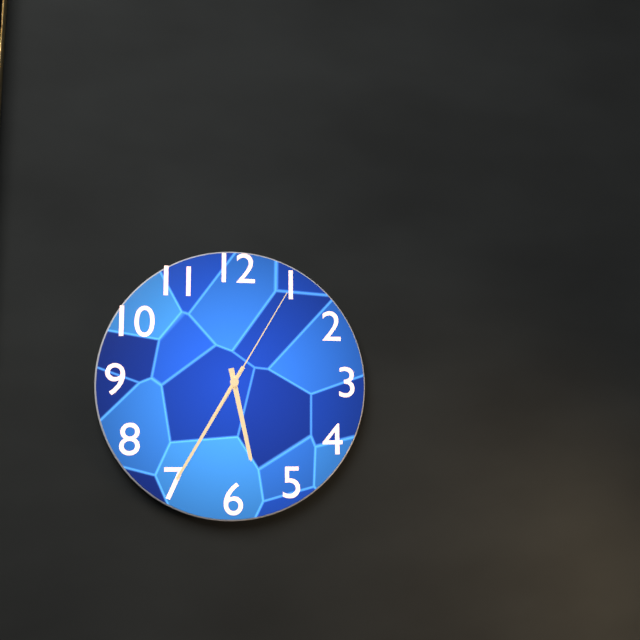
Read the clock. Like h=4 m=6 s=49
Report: h=5 m=35 s=5
